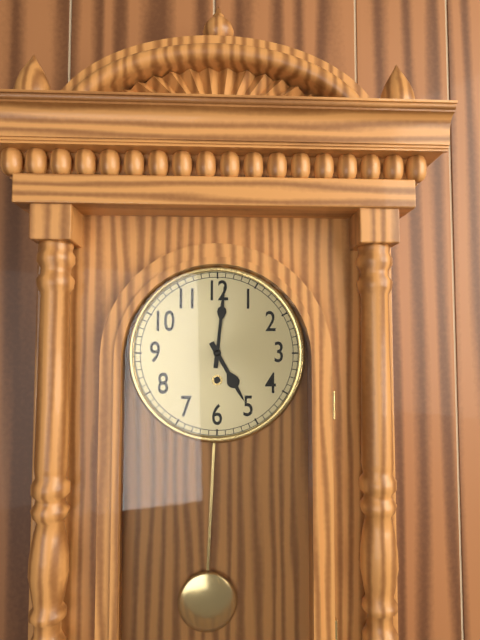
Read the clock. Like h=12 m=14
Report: h=5 m=1
